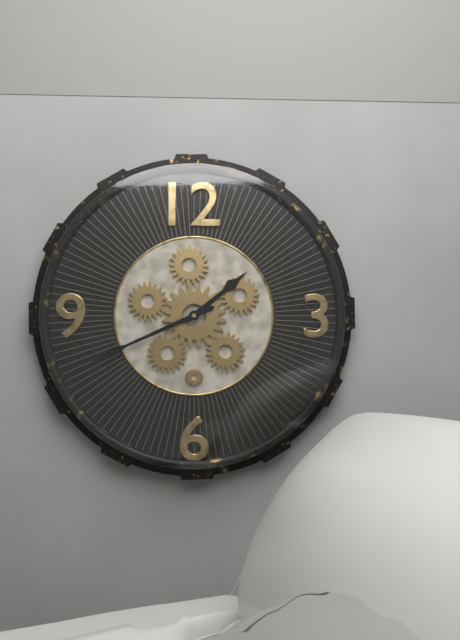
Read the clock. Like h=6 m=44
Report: h=1 m=41
